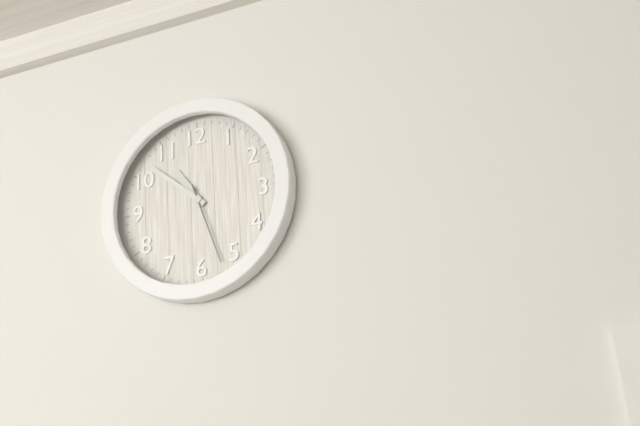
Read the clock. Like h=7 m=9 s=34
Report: h=10 m=52 s=27
